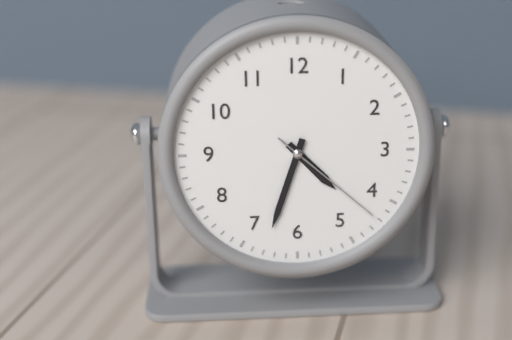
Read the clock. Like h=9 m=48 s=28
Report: h=4 m=33 s=22
